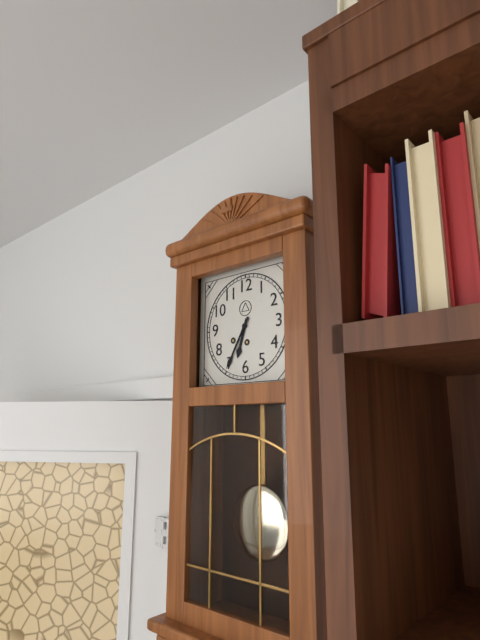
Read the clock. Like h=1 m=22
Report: h=6 m=35
